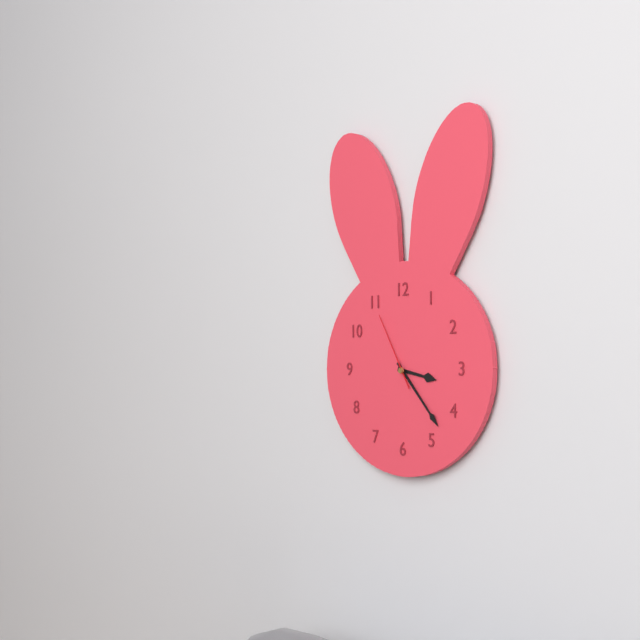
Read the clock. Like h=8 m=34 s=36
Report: h=3 m=23 s=55
